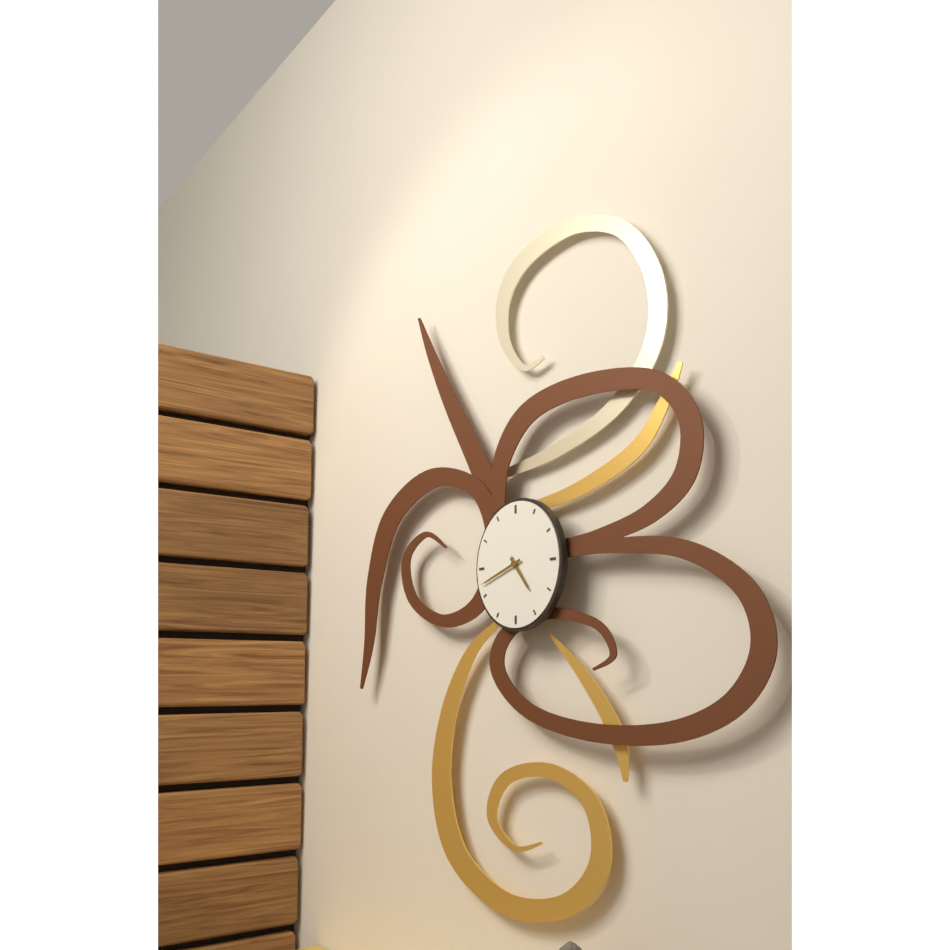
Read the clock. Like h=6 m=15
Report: h=4 m=42
